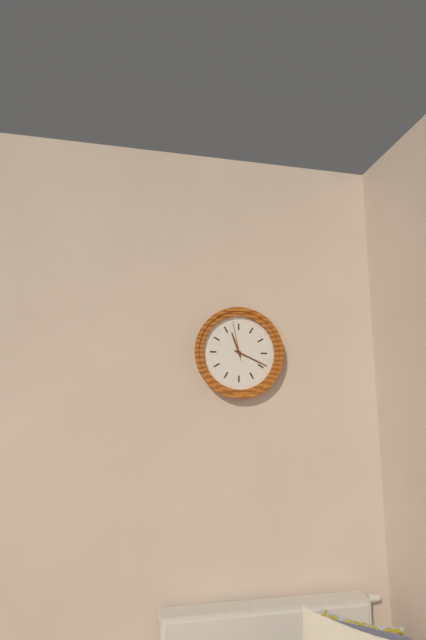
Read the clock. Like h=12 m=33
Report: h=11 m=19
